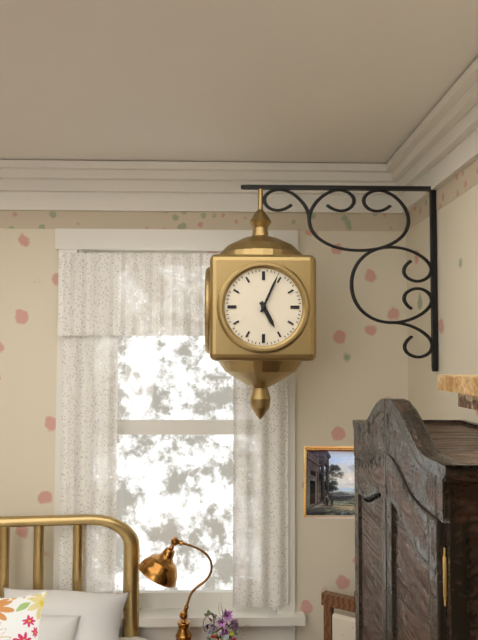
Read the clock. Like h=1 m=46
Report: h=5 m=4
